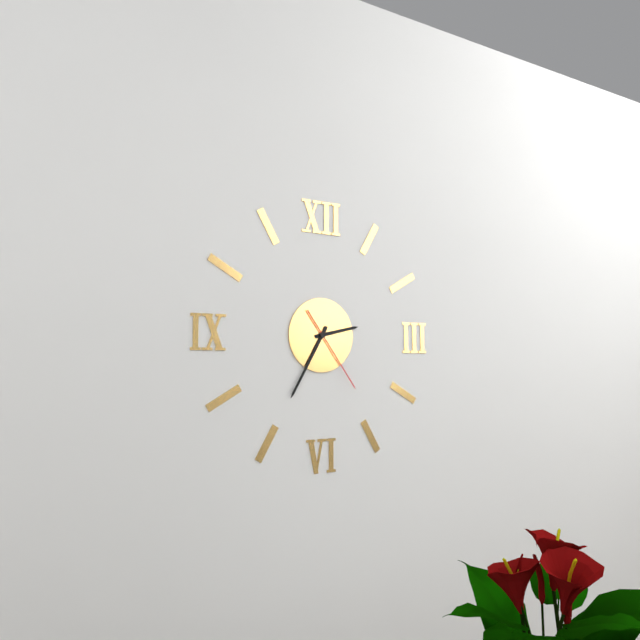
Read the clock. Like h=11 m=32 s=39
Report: h=2 m=35 s=24
